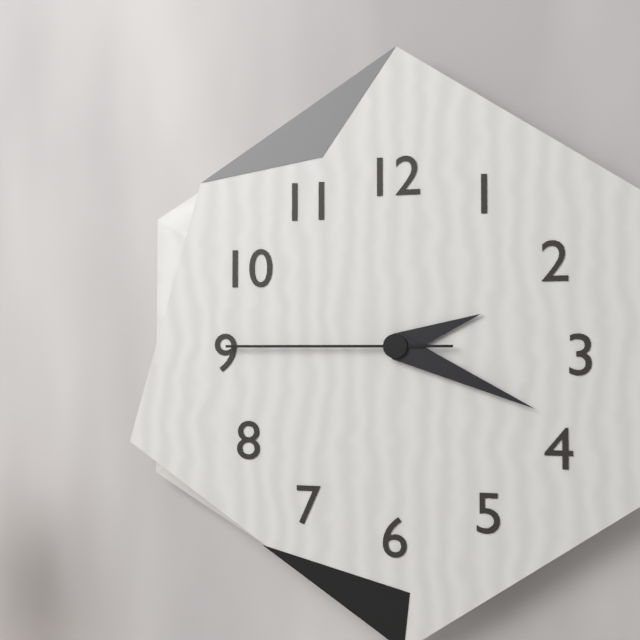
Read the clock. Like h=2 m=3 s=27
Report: h=2 m=19 s=45
